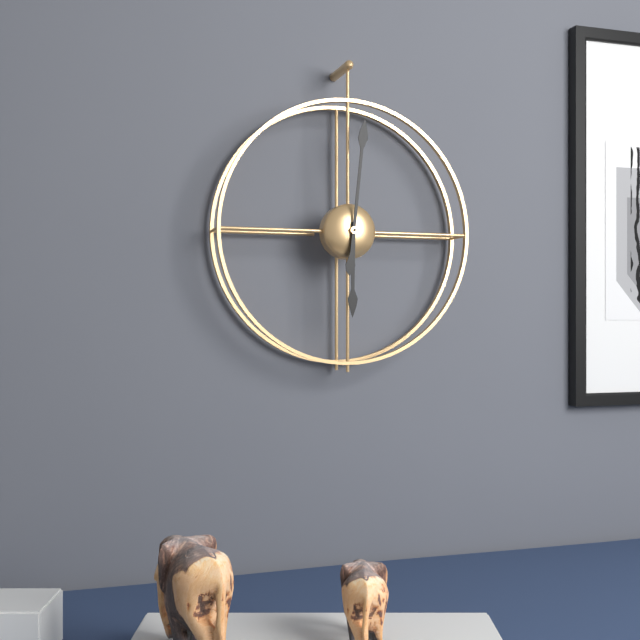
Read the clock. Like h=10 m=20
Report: h=6 m=1
